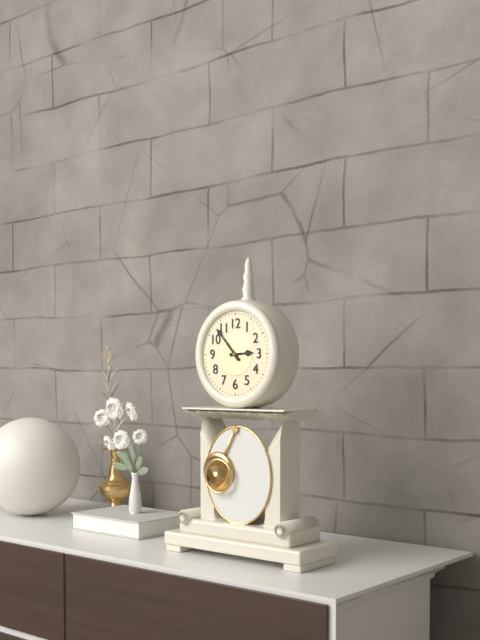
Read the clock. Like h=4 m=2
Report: h=2 m=53
